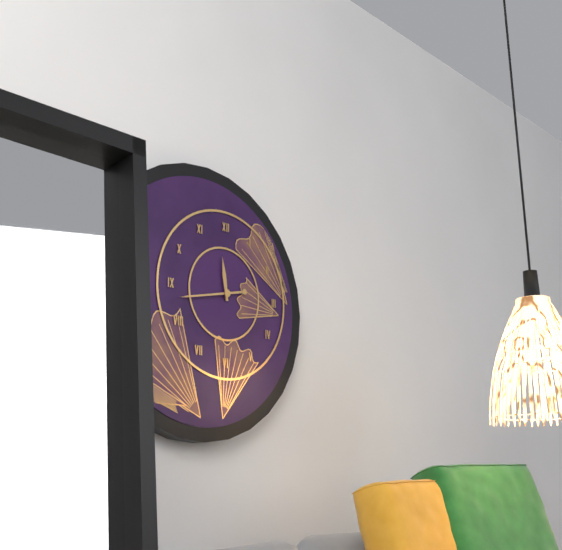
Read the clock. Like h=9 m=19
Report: h=11 m=43
